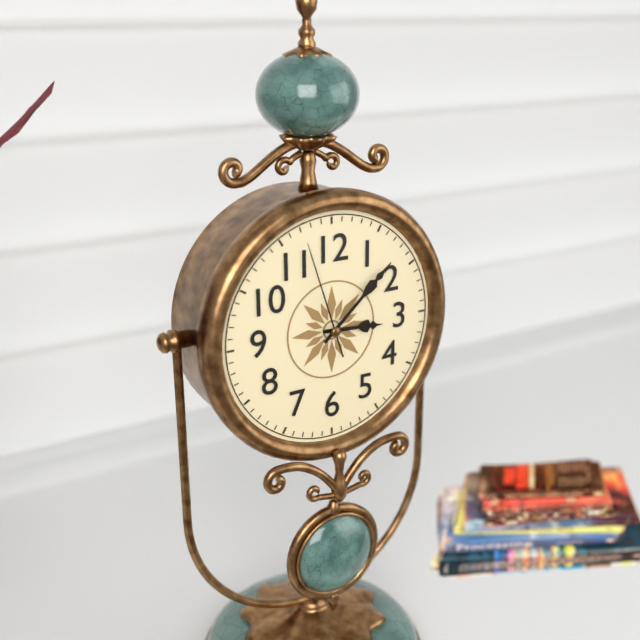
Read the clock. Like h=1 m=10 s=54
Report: h=3 m=8 s=57
